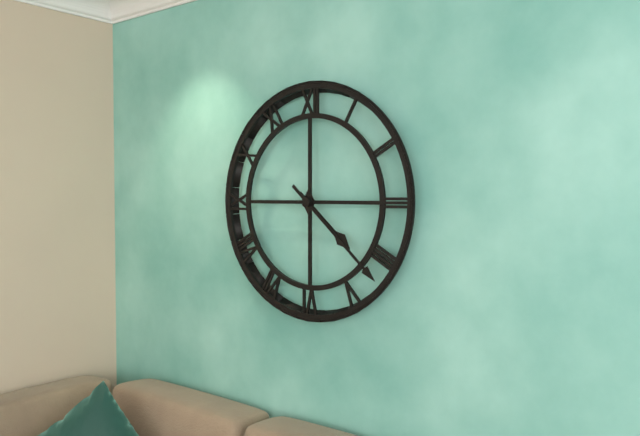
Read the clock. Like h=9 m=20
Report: h=4 m=22
